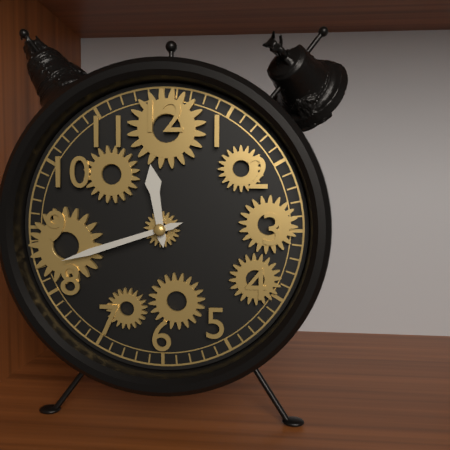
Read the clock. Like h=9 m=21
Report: h=11 m=42
